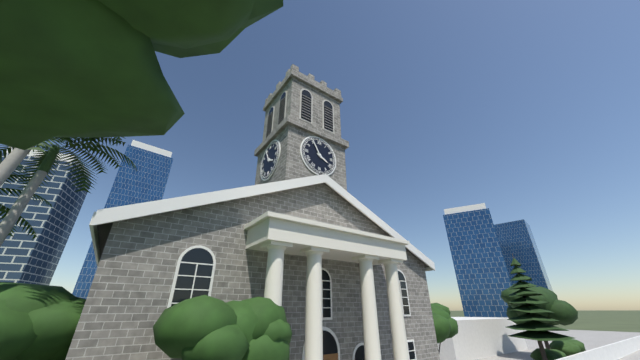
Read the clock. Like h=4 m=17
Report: h=3 m=55
